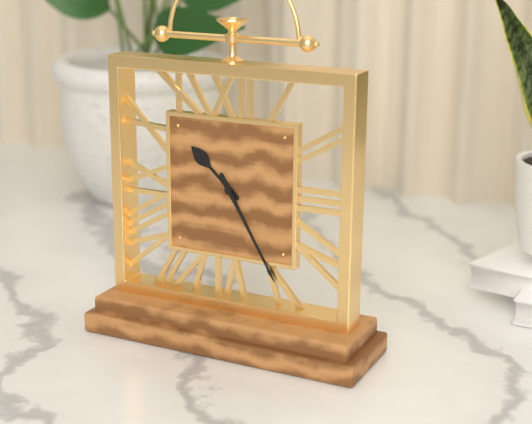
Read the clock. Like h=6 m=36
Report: h=10 m=25
